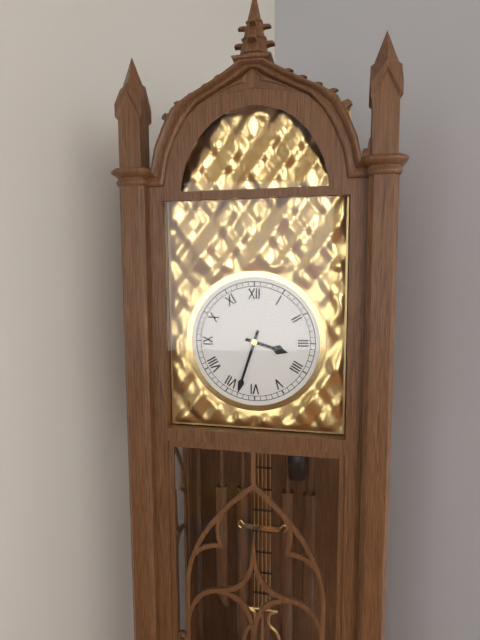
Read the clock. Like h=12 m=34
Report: h=3 m=33
